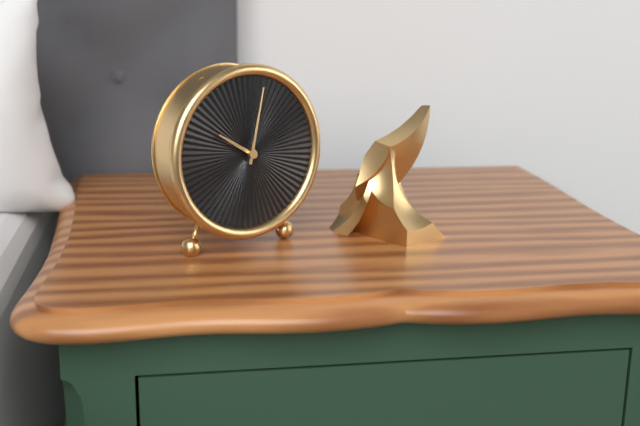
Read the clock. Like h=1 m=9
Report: h=10 m=2
